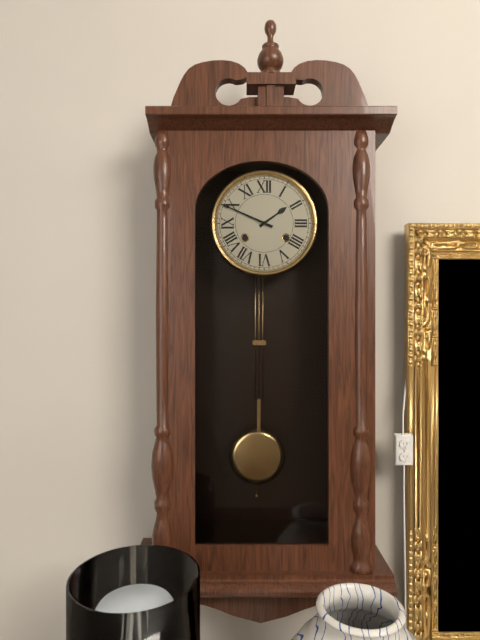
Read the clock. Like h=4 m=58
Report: h=1 m=49
